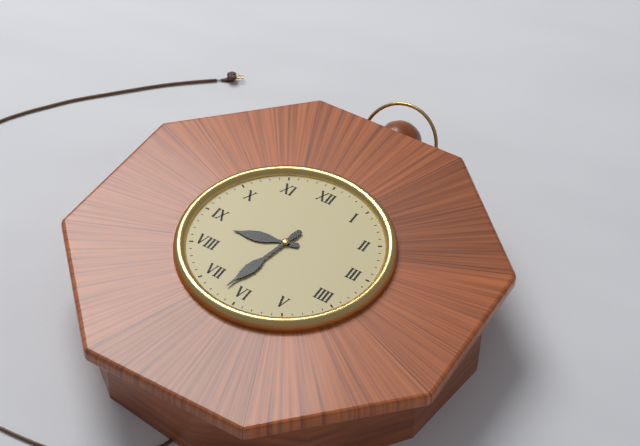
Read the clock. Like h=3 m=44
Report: h=8 m=32
